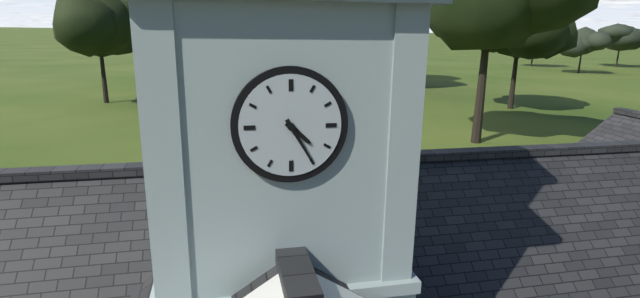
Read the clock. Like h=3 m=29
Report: h=4 m=25
